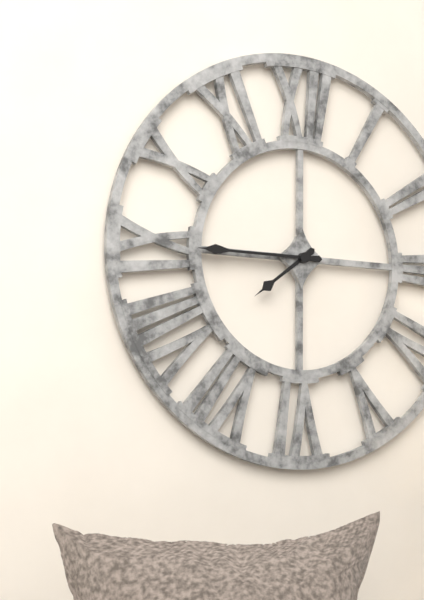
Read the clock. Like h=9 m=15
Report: h=7 m=45
